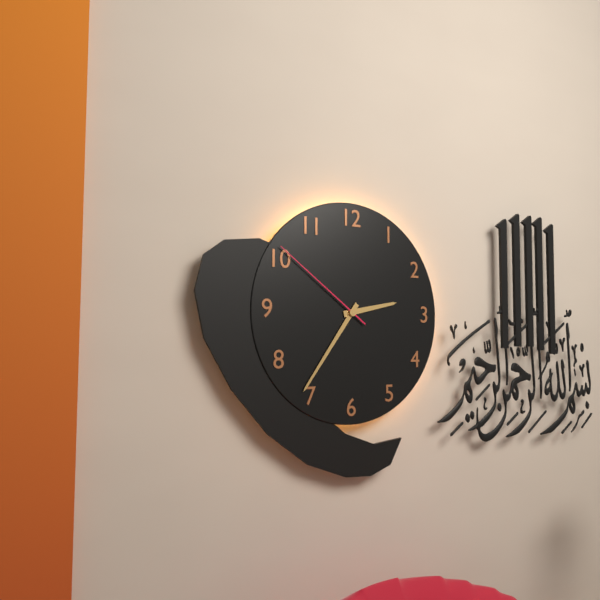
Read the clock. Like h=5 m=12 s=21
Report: h=2 m=36 s=51
